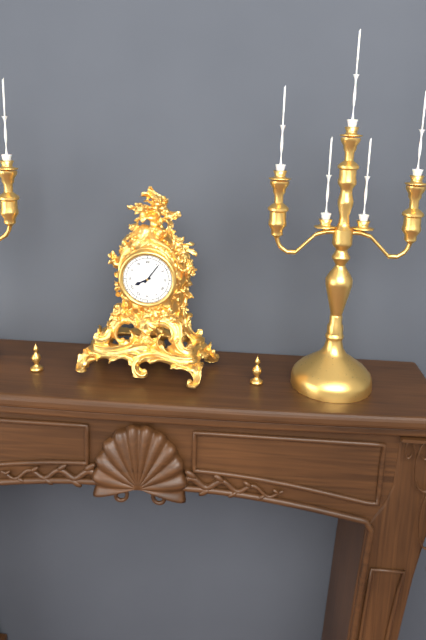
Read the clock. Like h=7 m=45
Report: h=8 m=6
